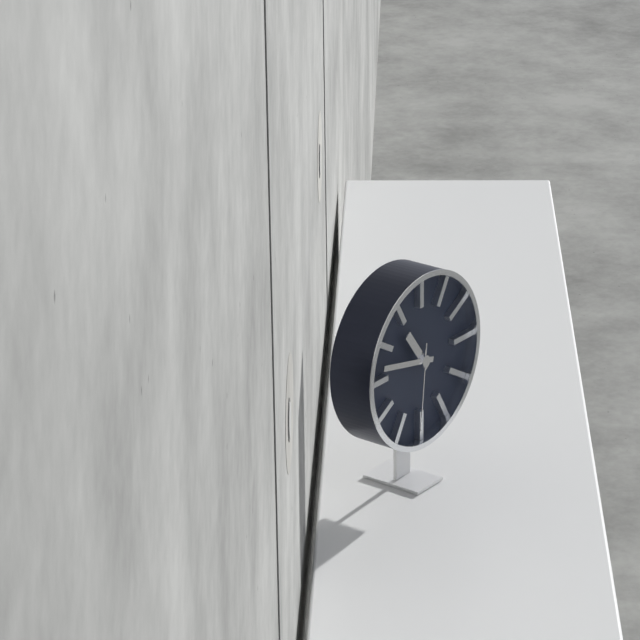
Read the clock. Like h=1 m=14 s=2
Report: h=10 m=47 s=31
